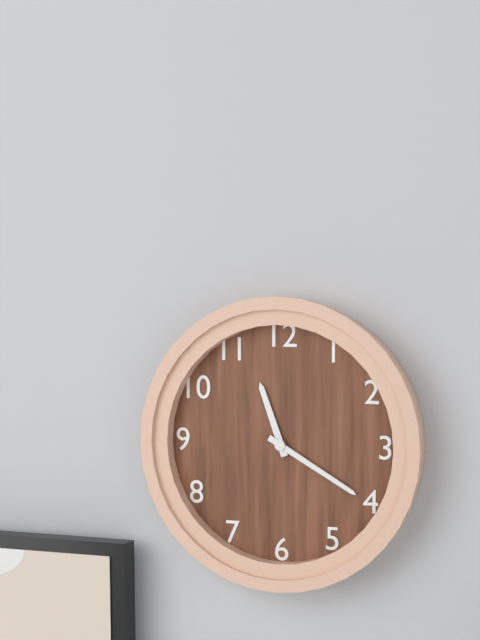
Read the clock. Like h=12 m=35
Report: h=11 m=20
